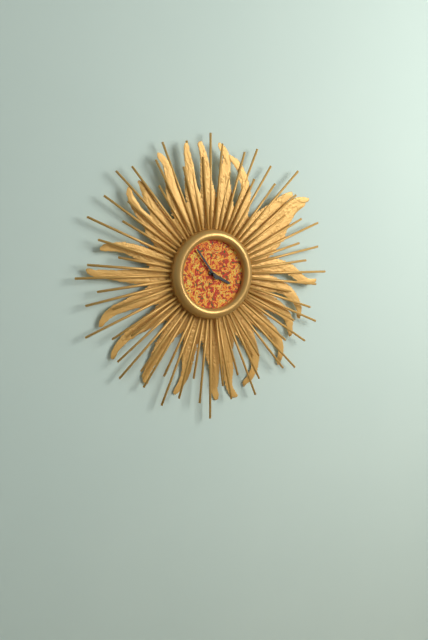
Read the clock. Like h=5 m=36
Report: h=3 m=54
